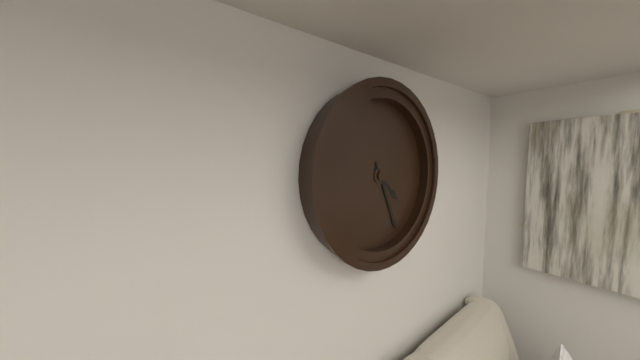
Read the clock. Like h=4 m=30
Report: h=4 m=26
